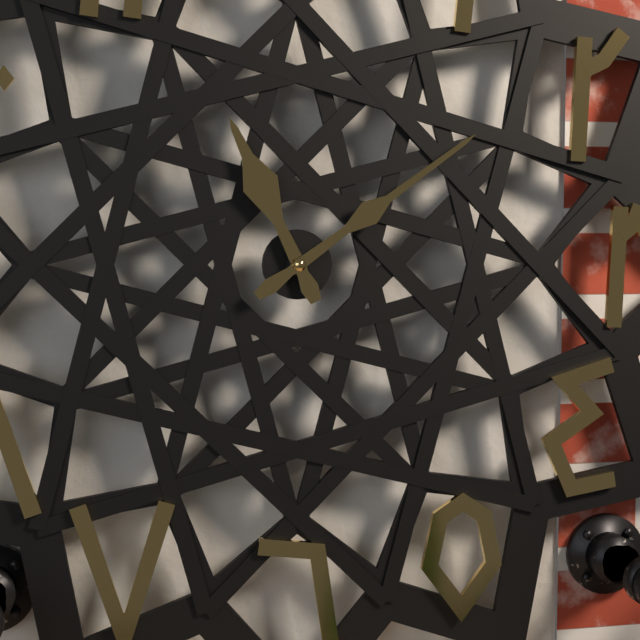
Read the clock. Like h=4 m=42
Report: h=11 m=9
